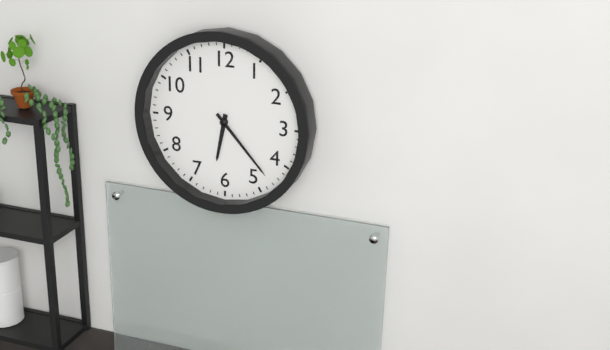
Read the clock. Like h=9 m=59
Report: h=6 m=23
